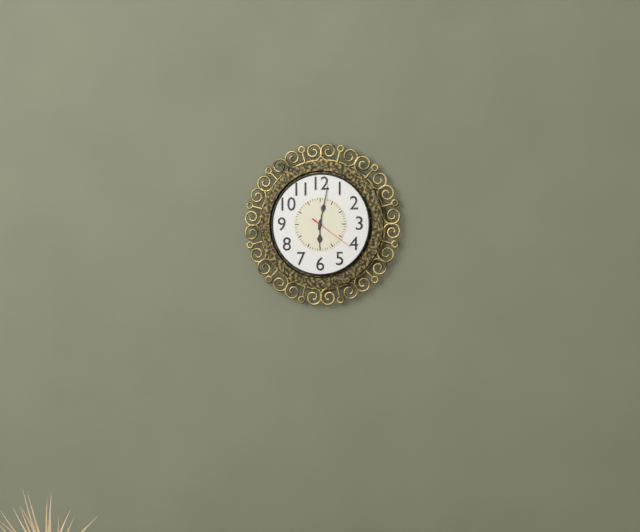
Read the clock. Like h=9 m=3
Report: h=6 m=2
